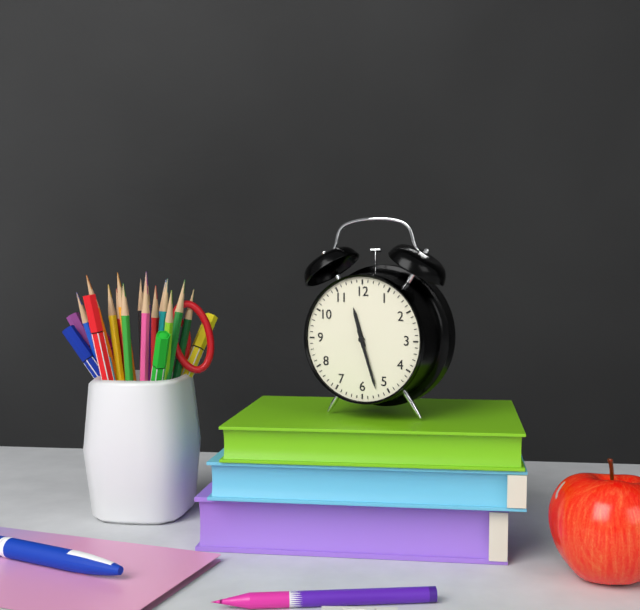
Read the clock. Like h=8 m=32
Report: h=11 m=27
